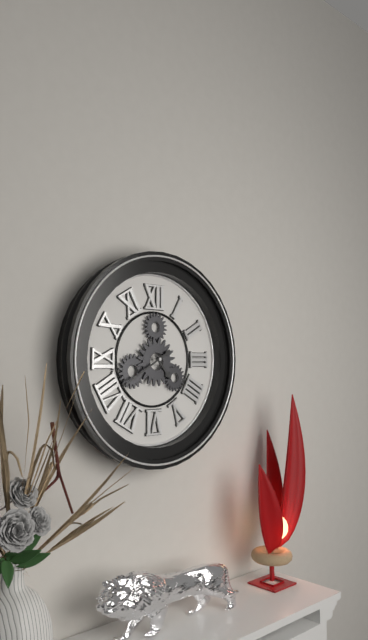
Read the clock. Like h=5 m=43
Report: h=4 m=40
